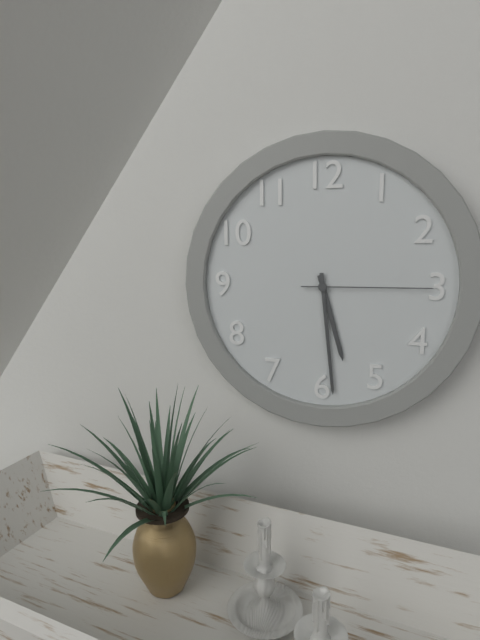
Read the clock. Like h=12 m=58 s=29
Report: h=5 m=29 s=15
